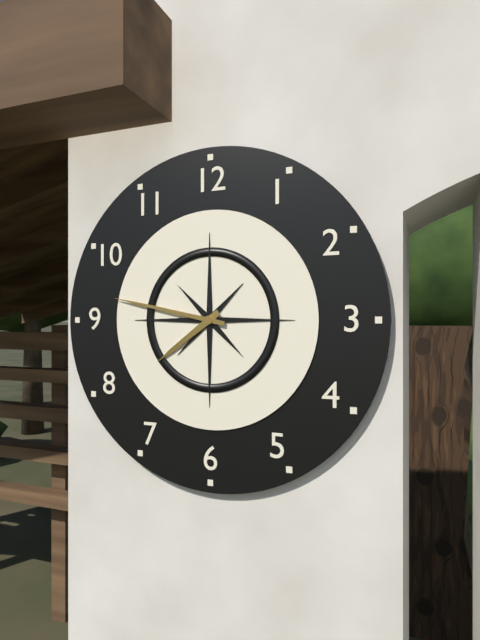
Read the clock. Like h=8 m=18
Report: h=7 m=47
